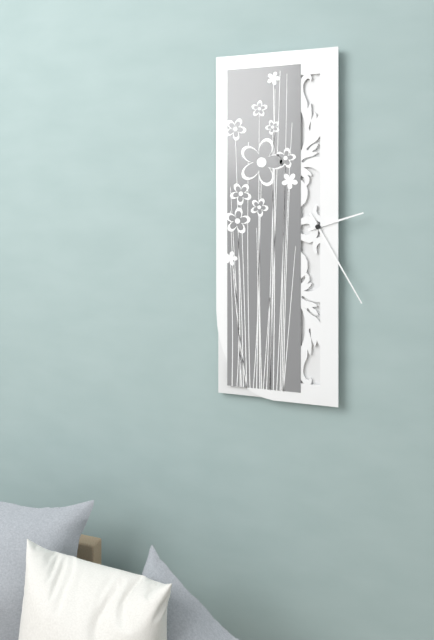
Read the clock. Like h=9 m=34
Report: h=2 m=25
